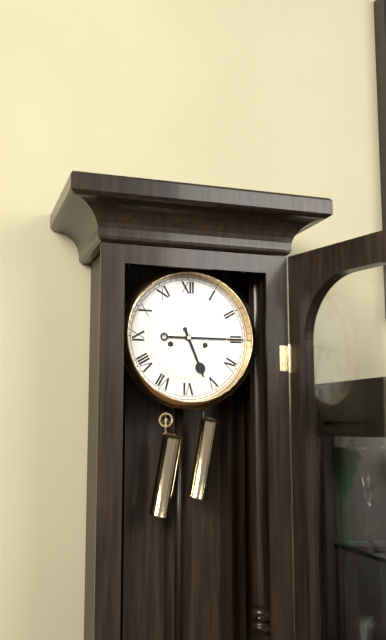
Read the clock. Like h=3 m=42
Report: h=5 m=15
